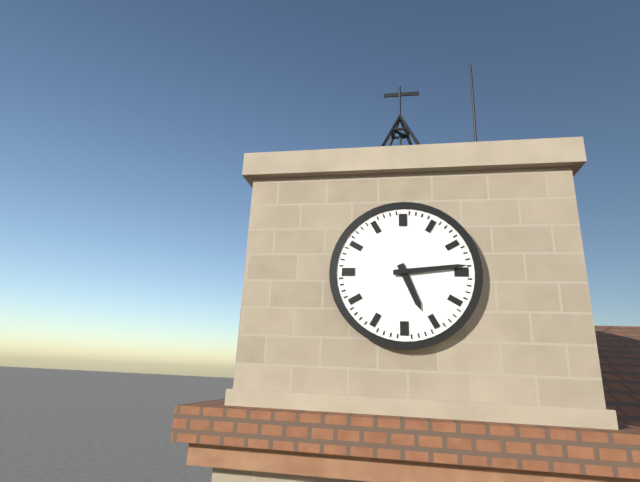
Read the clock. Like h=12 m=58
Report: h=5 m=14
